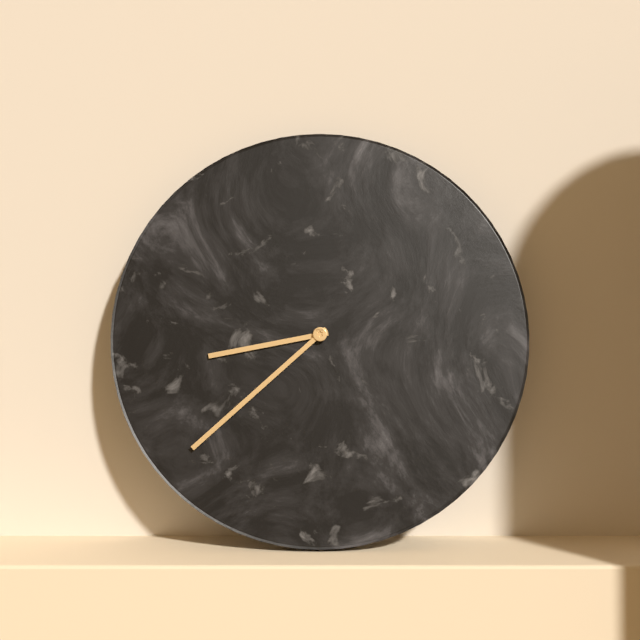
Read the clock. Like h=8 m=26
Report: h=8 m=38
